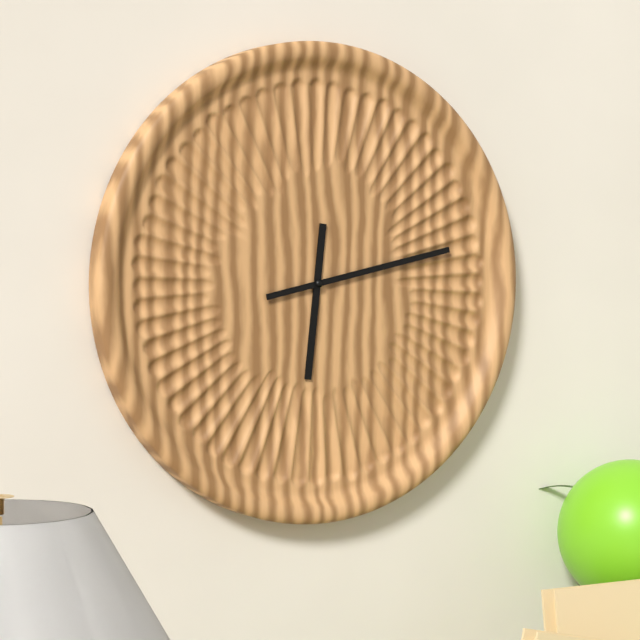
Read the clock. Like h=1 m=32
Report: h=6 m=13
